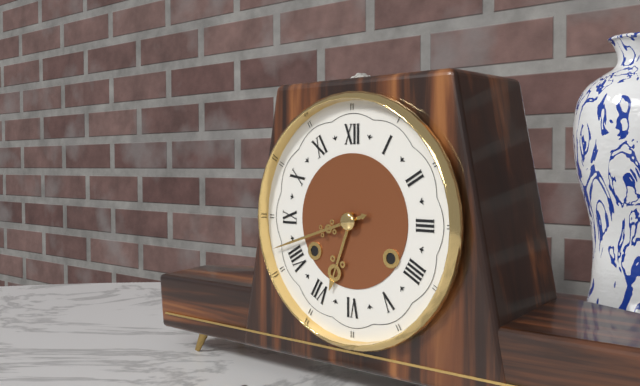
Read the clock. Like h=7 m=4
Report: h=6 m=42
